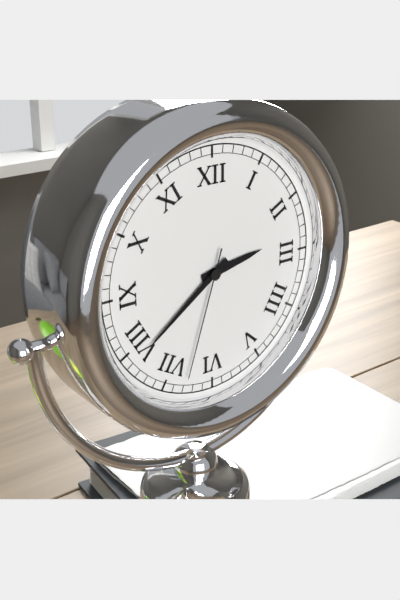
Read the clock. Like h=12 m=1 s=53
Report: h=2 m=39 s=33
